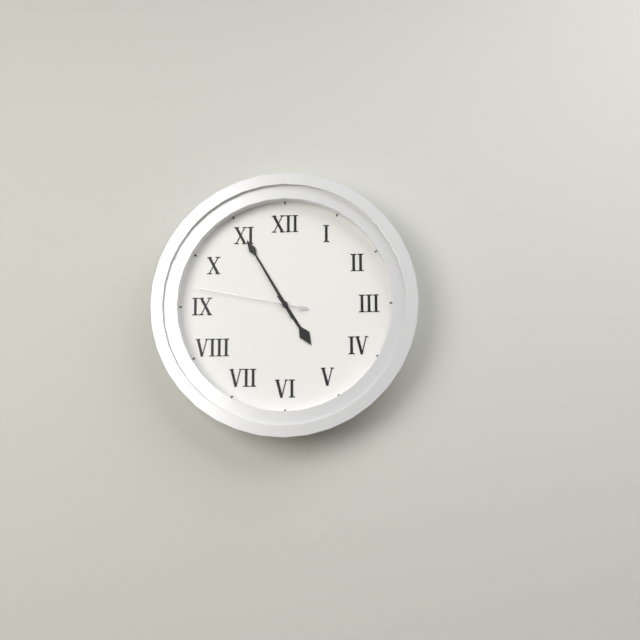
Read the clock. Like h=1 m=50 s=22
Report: h=4 m=55 s=47
